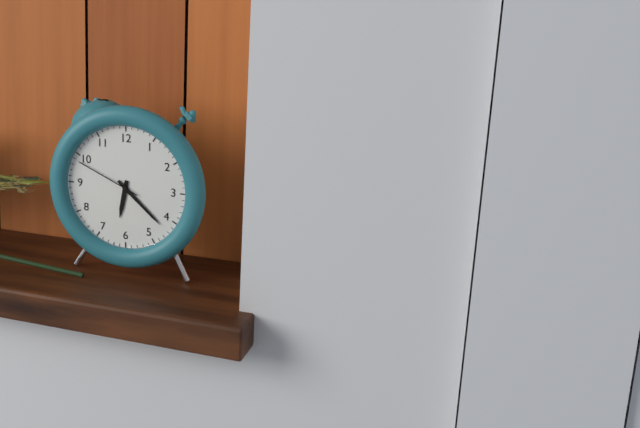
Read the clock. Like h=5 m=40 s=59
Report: h=6 m=22 s=49
